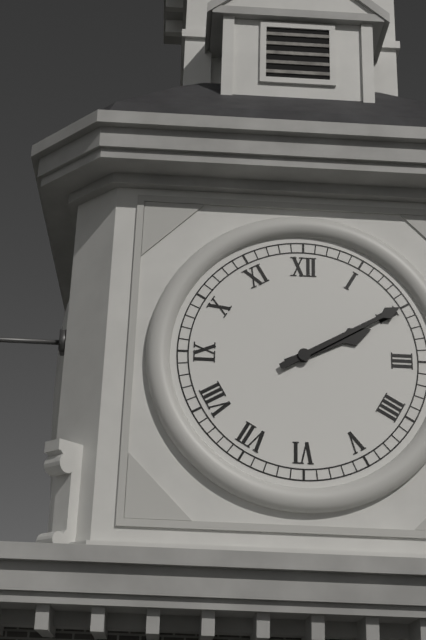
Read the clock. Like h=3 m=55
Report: h=2 m=10
